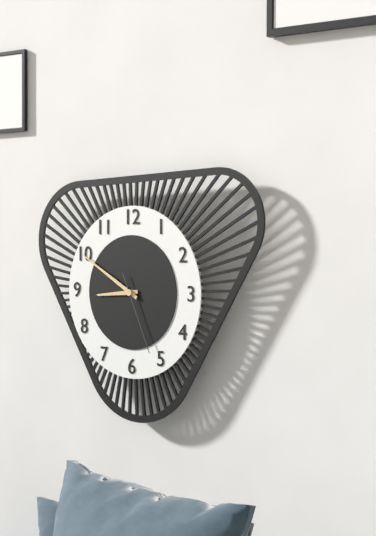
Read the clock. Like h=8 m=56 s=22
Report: h=8 m=50 s=26
